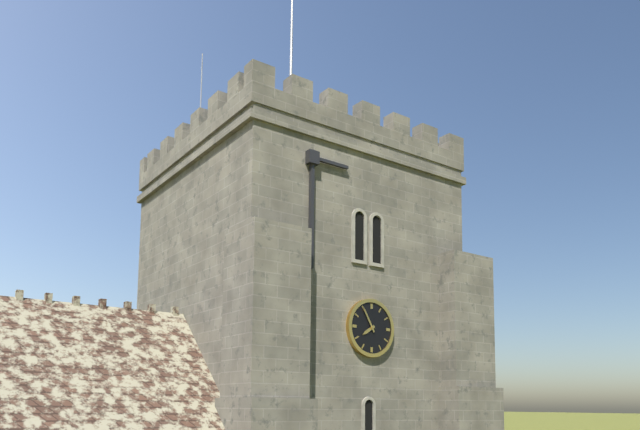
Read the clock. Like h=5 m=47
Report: h=7 m=55
